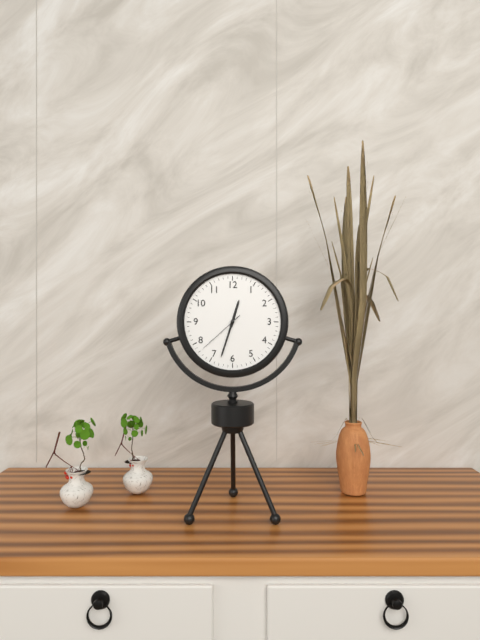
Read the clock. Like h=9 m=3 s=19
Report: h=12 m=33 s=38
